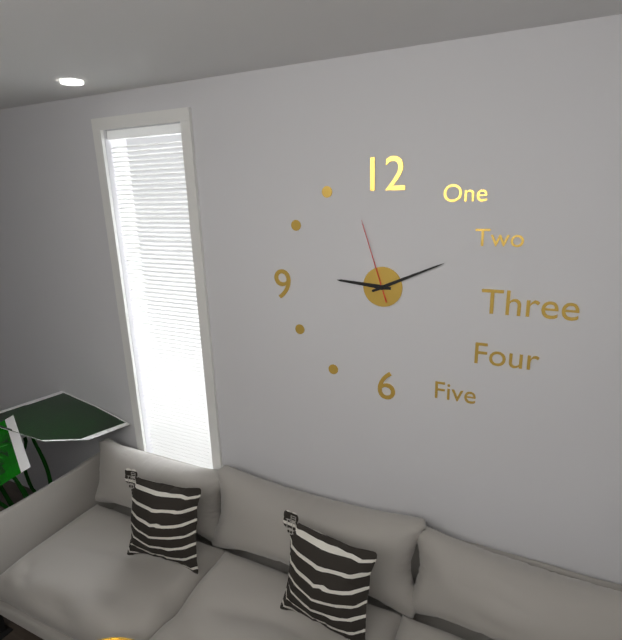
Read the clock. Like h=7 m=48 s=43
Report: h=9 m=11 s=57
